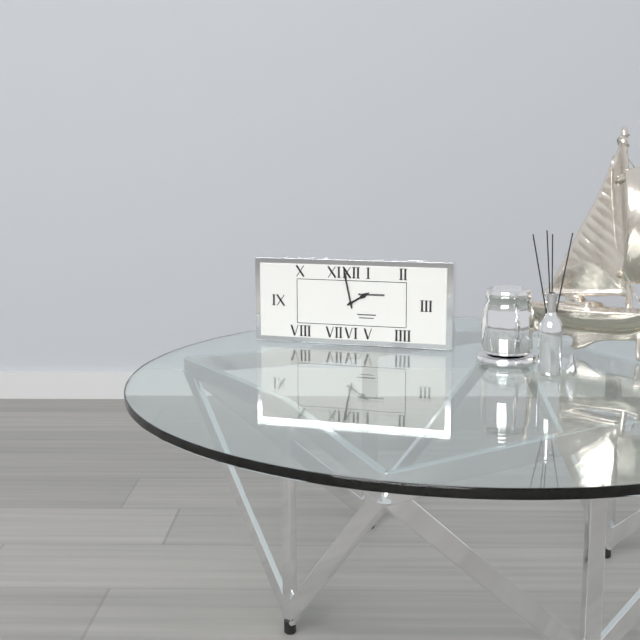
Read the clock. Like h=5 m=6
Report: h=1 m=58
